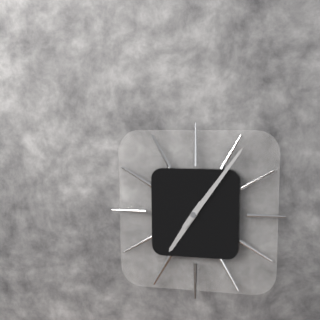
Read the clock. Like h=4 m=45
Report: h=7 m=6
